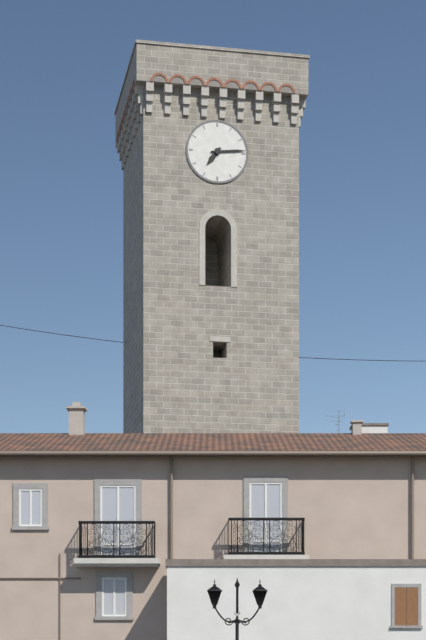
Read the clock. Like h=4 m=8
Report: h=7 m=14
